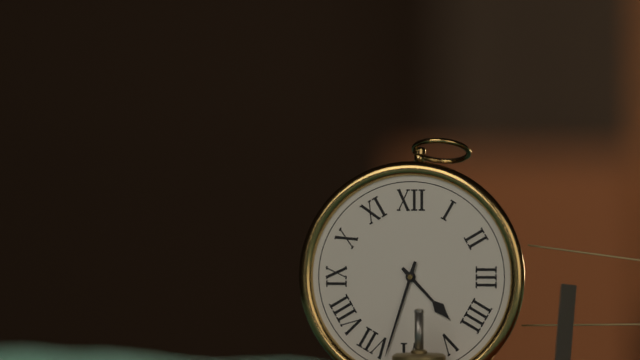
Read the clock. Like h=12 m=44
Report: h=4 m=33
